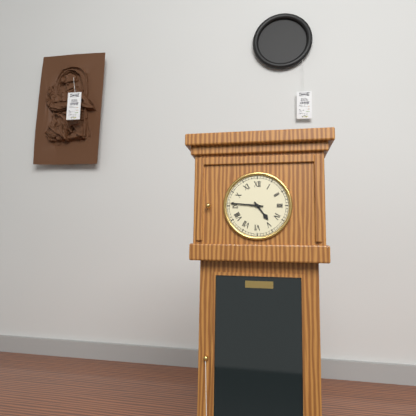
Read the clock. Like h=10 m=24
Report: h=4 m=46
